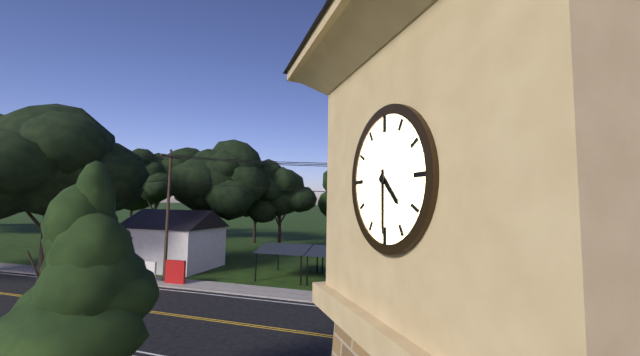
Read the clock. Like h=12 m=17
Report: h=4 m=30
